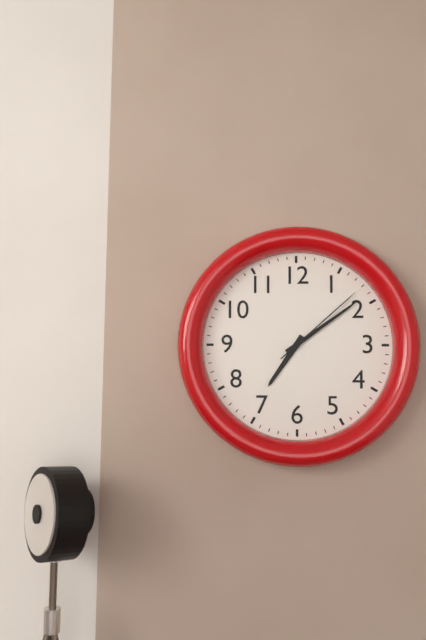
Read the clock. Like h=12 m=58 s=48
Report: h=7 m=9 s=8
